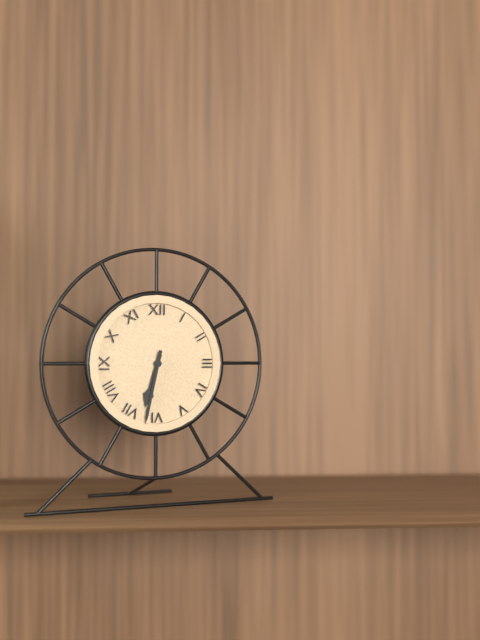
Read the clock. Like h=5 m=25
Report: h=6 m=32
